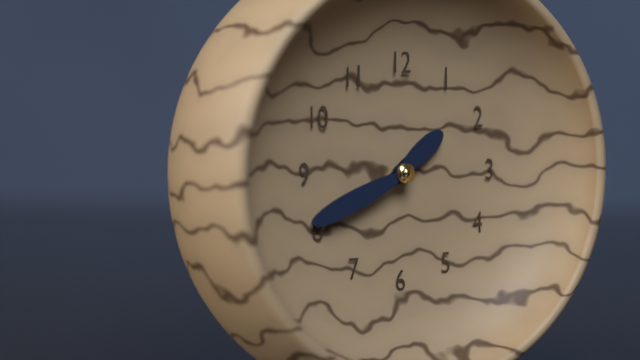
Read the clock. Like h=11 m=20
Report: h=1 m=41
